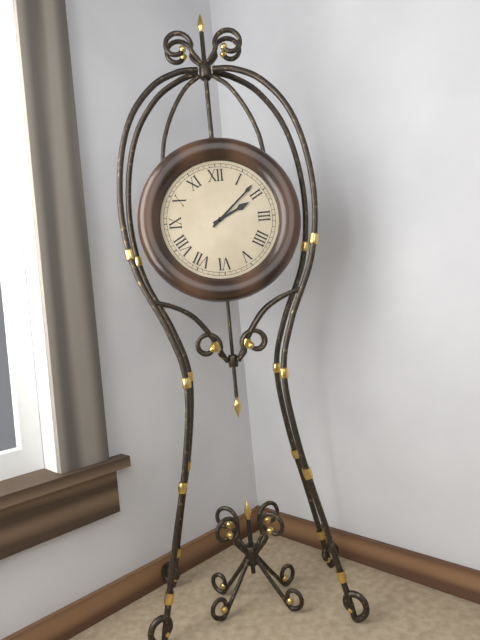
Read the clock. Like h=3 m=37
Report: h=2 m=8
